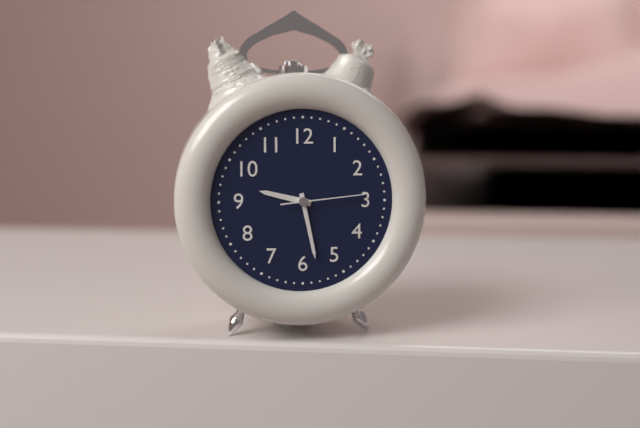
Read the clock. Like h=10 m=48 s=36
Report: h=9 m=28 s=14
